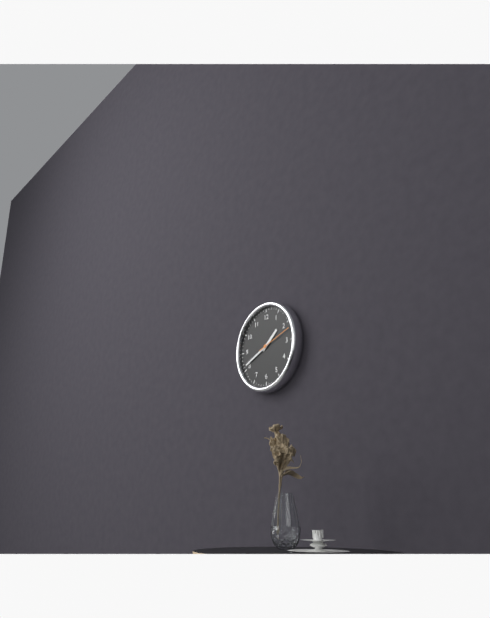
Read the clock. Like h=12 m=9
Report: h=1 m=41
